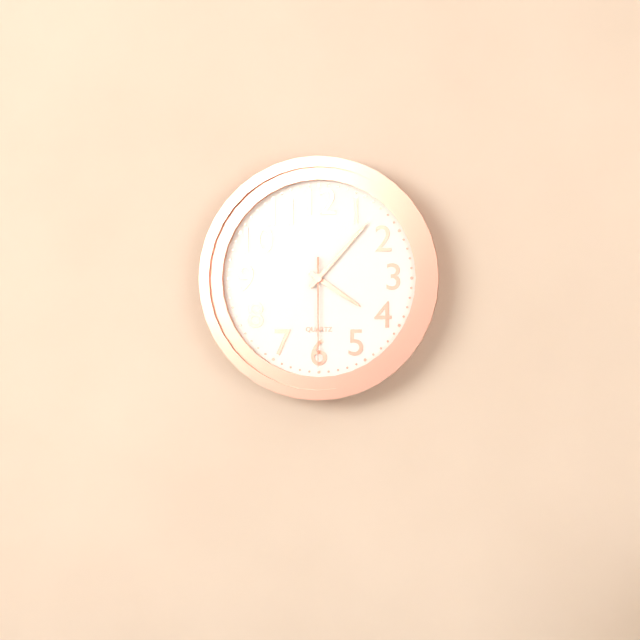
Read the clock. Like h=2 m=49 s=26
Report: h=4 m=7 s=30
